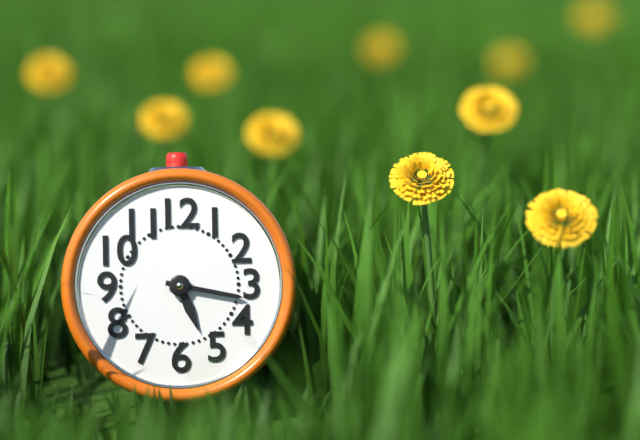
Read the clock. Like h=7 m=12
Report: h=5 m=17
